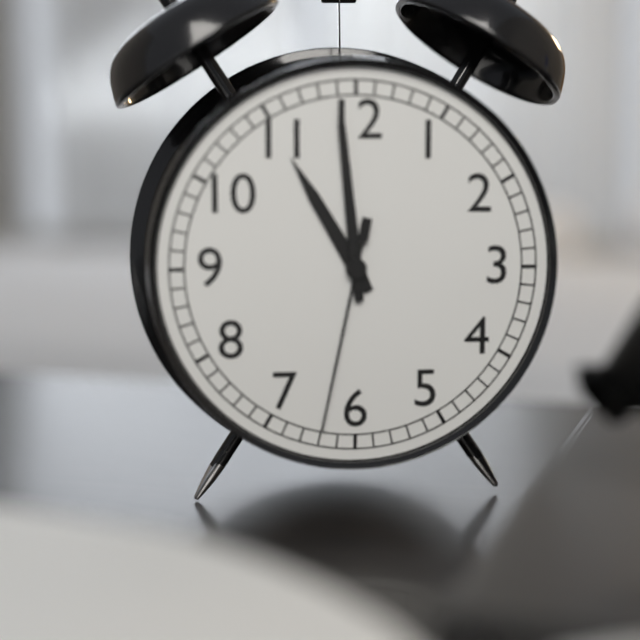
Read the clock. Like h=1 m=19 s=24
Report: h=10 m=59 s=32
